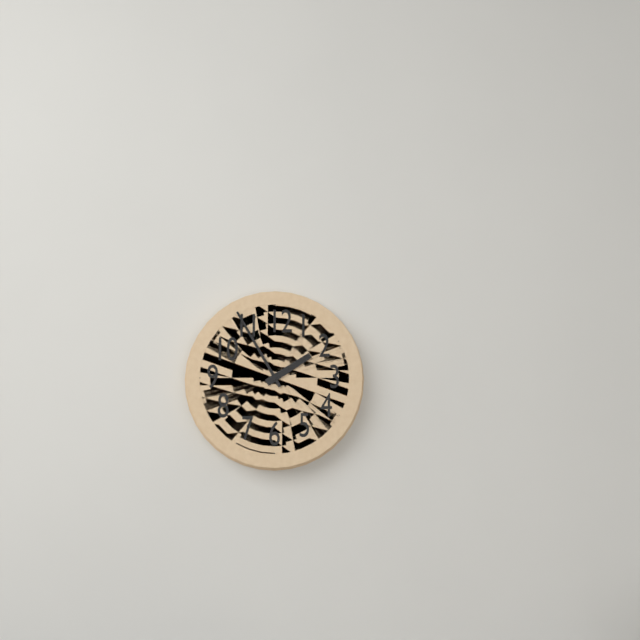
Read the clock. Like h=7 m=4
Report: h=1 m=55
